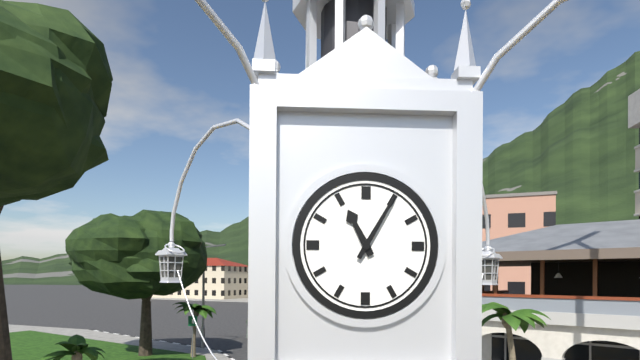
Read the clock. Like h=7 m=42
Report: h=11 m=5
